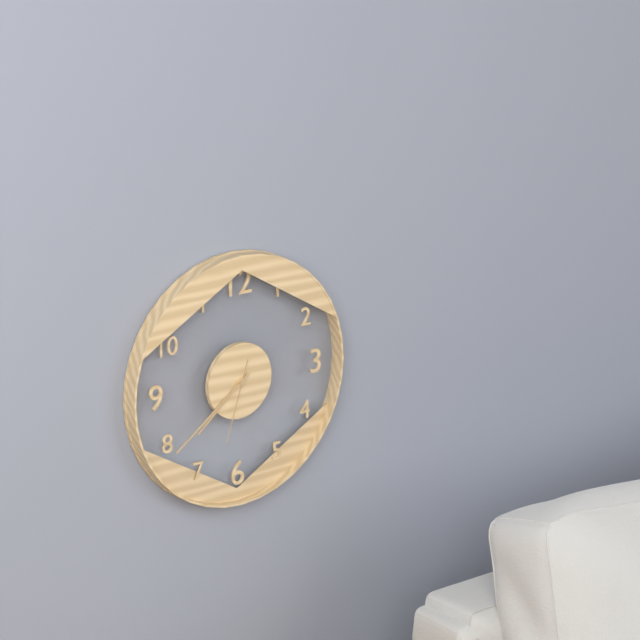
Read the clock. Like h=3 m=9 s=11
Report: h=7 m=39 s=33
